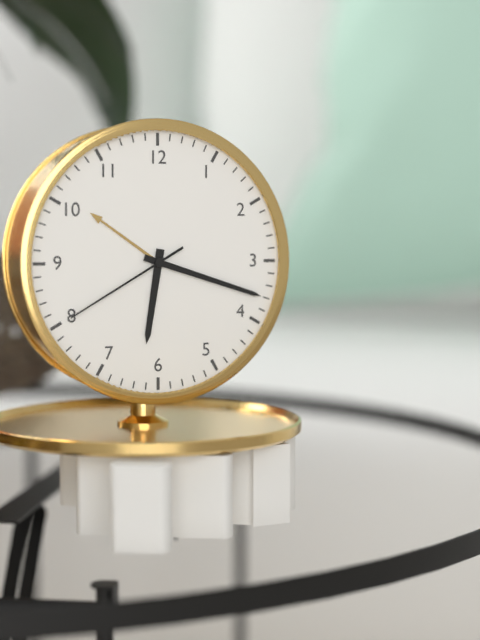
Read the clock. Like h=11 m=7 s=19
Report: h=6 m=18 s=40
